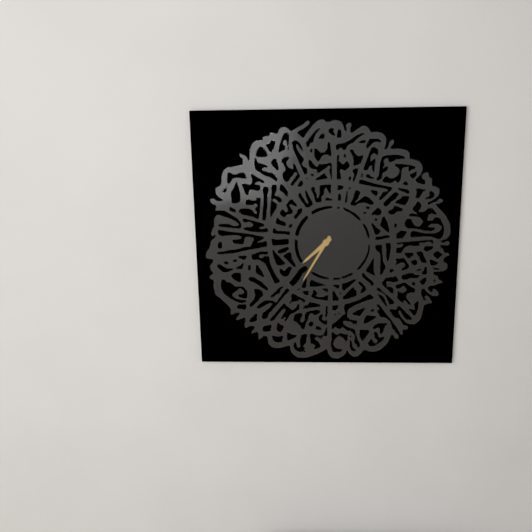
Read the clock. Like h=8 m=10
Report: h=7 m=35
